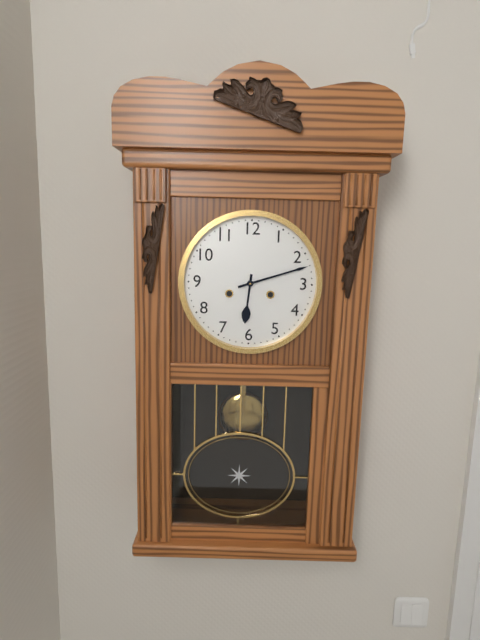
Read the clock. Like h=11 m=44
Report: h=6 m=12
